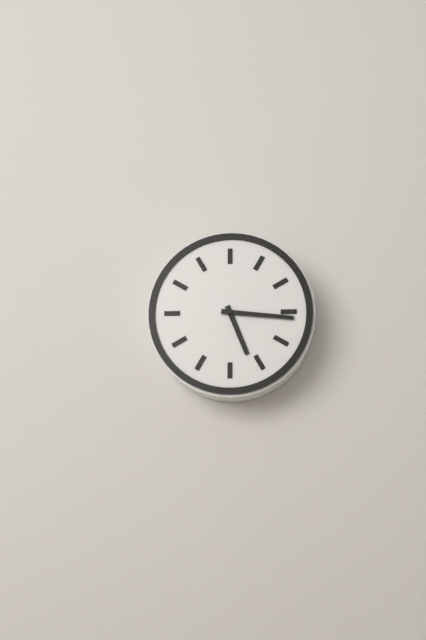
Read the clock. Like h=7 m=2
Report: h=5 m=16
